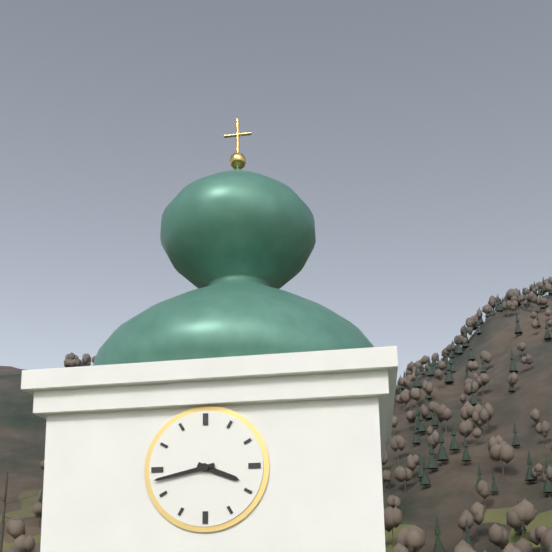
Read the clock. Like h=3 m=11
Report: h=3 m=43
